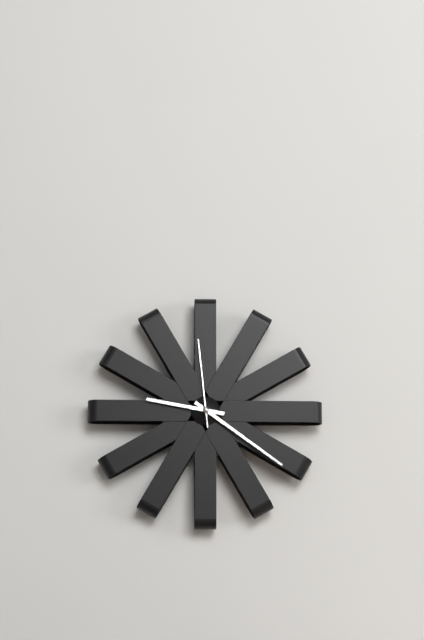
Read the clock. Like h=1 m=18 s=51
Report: h=9 m=21 s=59
